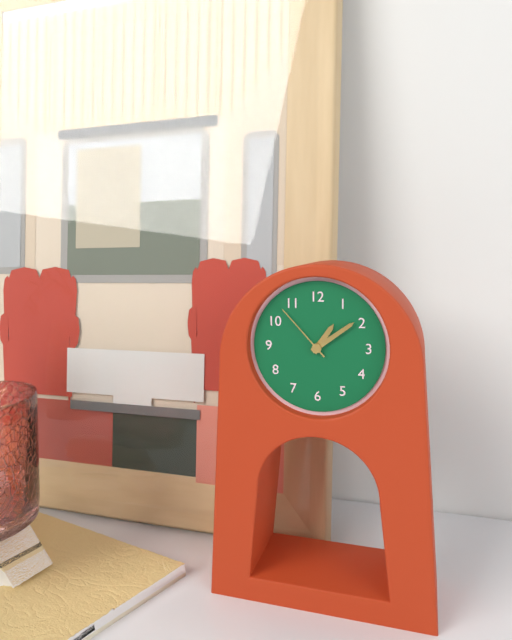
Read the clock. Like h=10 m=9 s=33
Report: h=1 m=9 s=53
